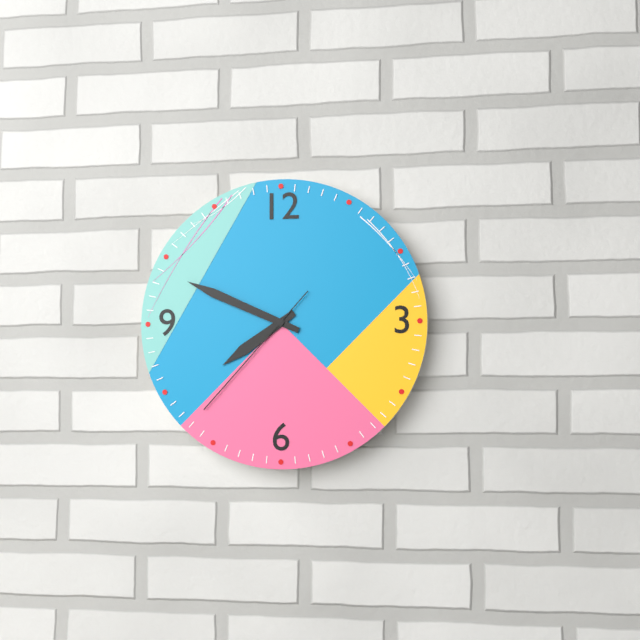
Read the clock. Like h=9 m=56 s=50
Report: h=7 m=49 s=37
